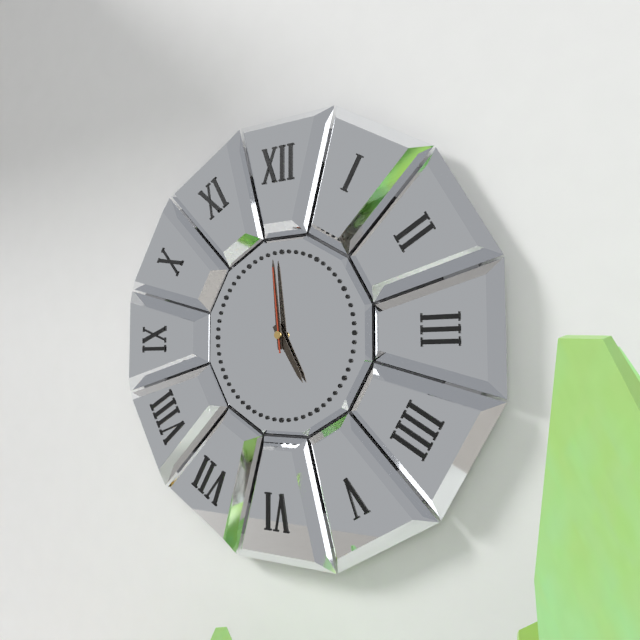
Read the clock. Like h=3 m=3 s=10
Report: h=4 m=59 s=59
